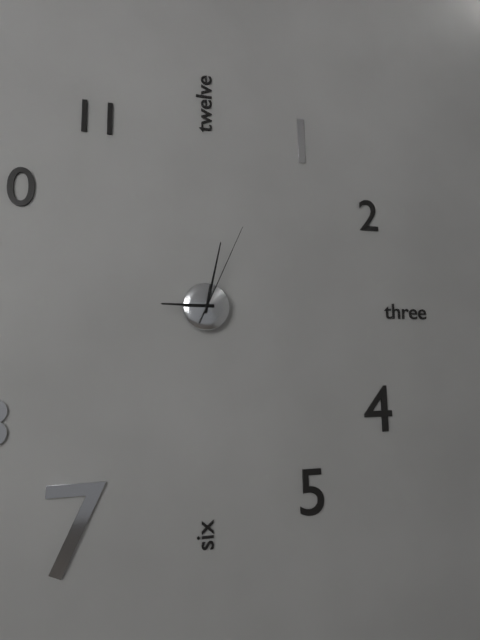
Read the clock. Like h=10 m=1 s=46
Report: h=9 m=2 s=4
